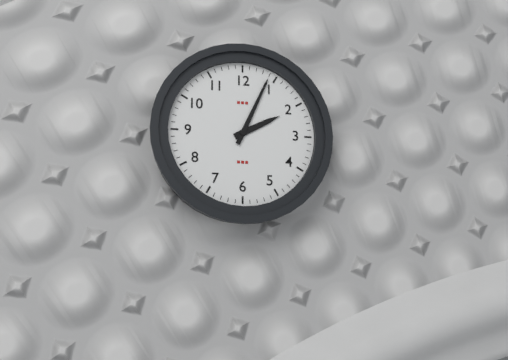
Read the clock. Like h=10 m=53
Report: h=2 m=4
